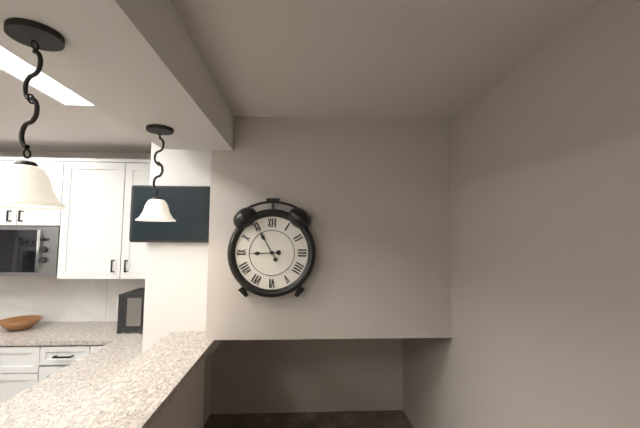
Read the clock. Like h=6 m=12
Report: h=8 m=55
